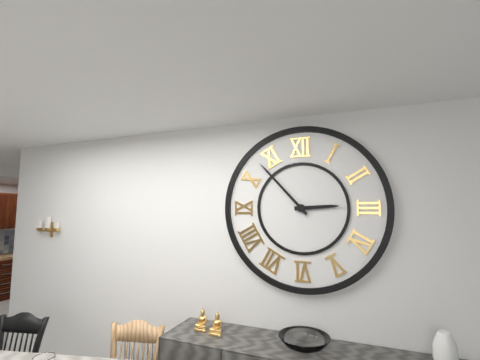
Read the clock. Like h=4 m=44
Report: h=2 m=53
